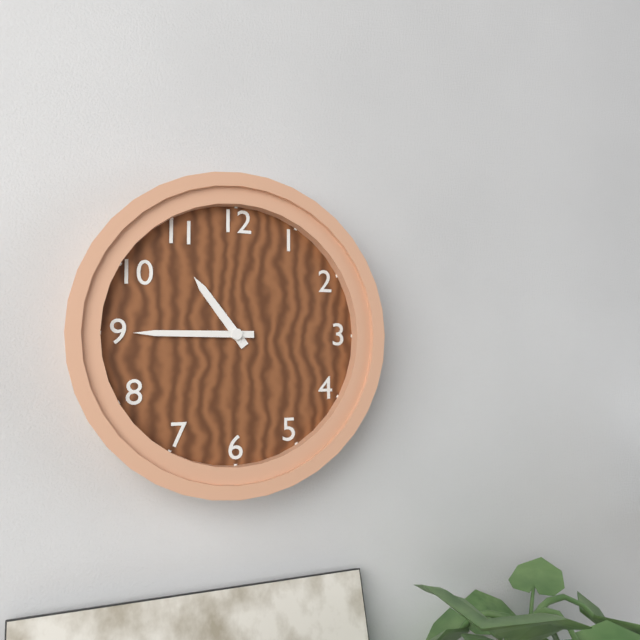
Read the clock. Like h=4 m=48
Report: h=10 m=45
